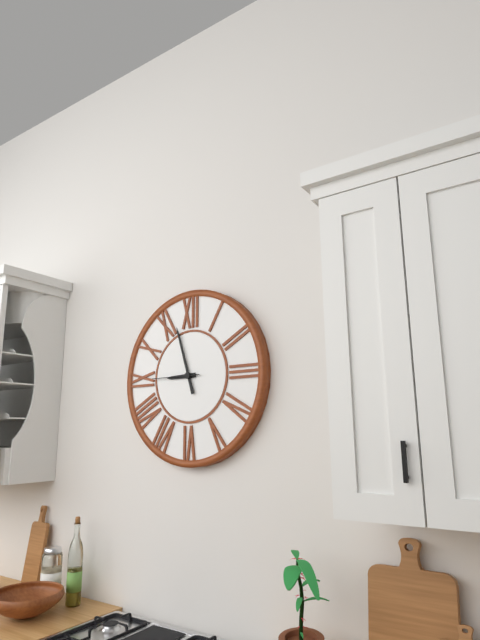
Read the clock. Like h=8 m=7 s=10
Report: h=8 m=57 s=45
